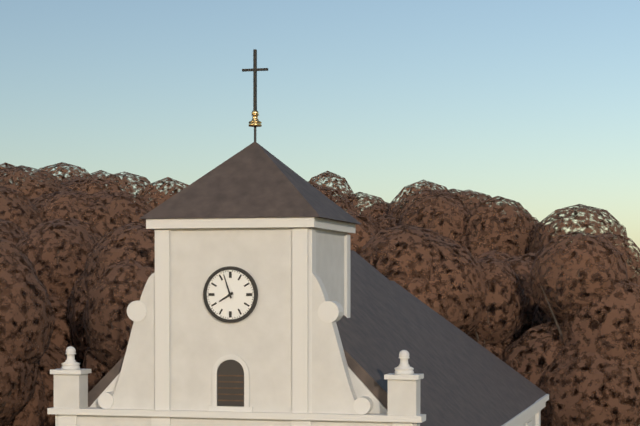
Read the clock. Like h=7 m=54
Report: h=7 m=57
